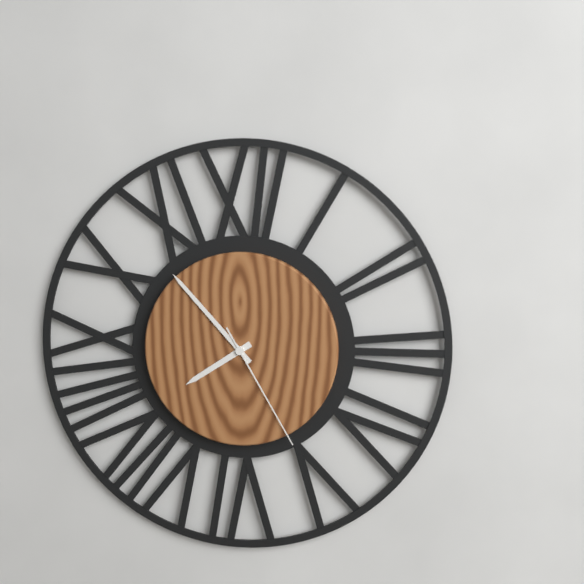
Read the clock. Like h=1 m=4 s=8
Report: h=7 m=53 s=25
